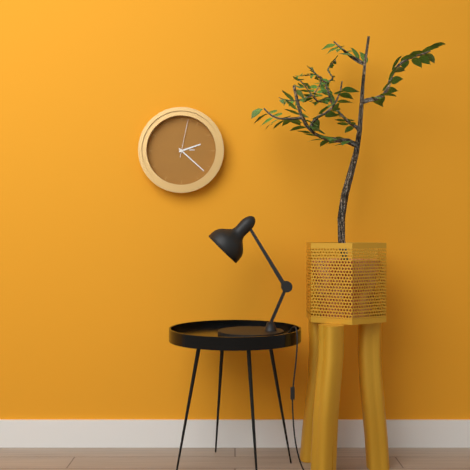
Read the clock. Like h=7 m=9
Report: h=2 m=22
